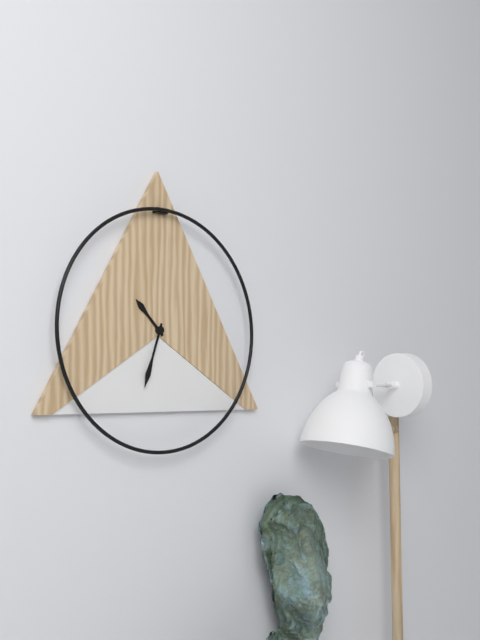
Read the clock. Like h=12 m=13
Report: h=10 m=33
